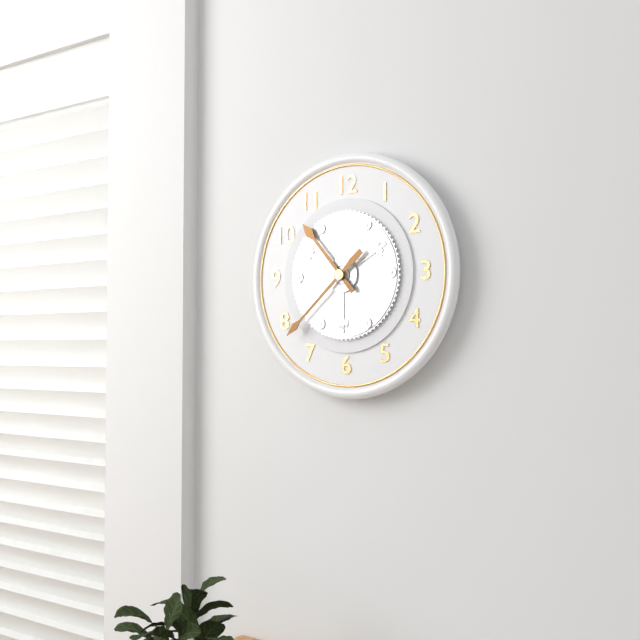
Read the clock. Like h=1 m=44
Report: h=10 m=38
